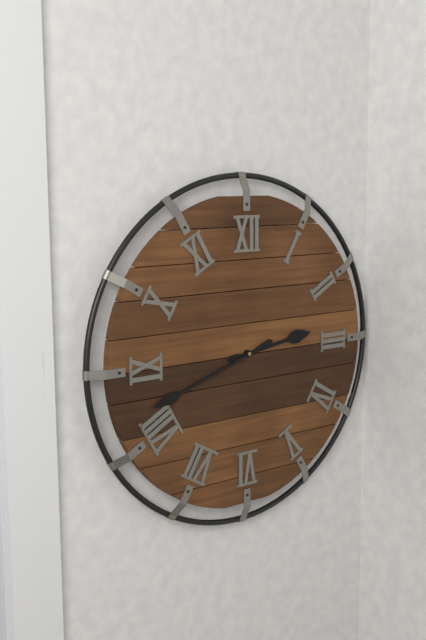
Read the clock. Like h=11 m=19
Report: h=2 m=42
